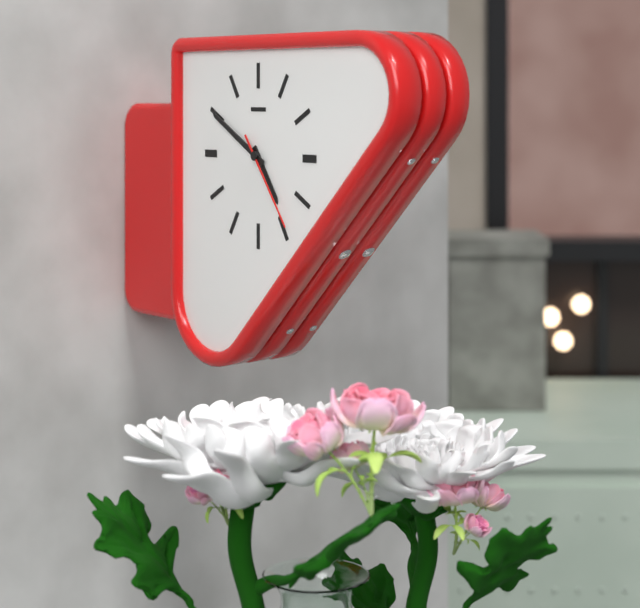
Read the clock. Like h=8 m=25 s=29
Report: h=4 m=50 s=24
